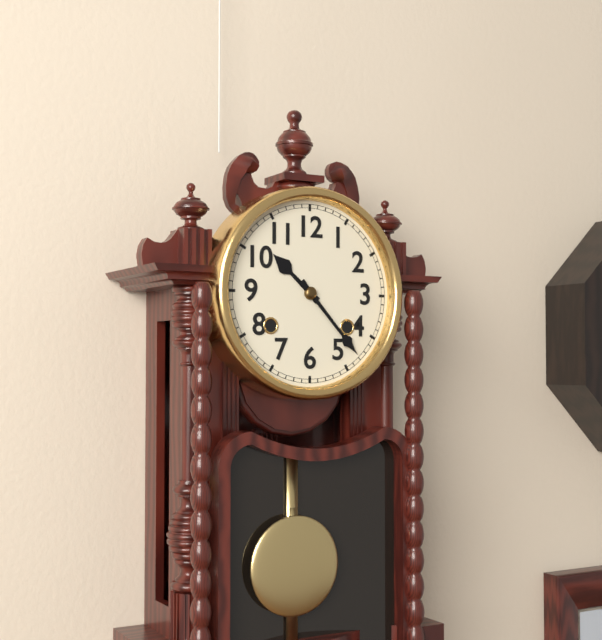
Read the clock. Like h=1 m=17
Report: h=10 m=23
